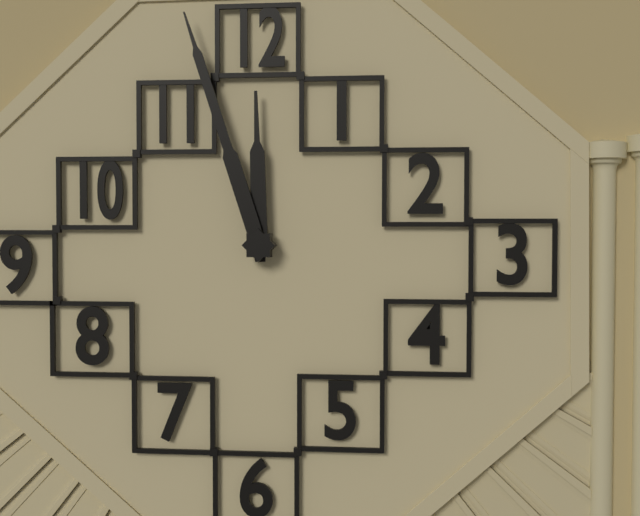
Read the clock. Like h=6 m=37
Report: h=11 m=57
